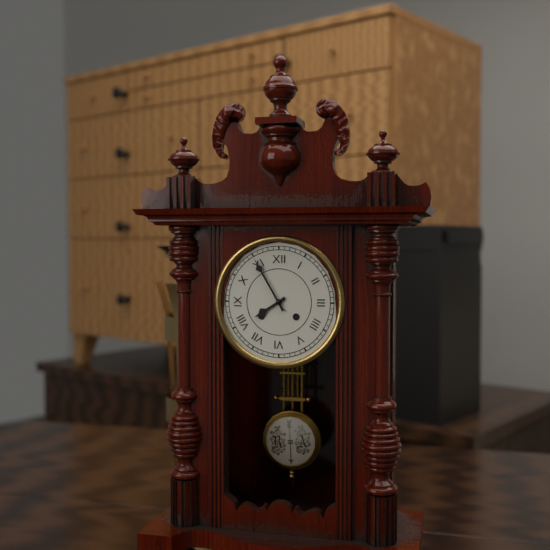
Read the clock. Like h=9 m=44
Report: h=7 m=55
